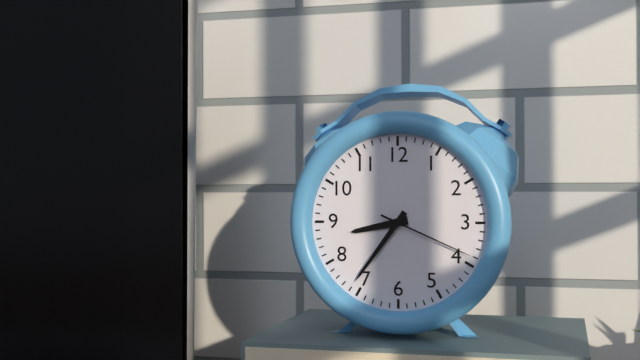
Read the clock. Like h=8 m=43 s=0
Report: h=8 m=36 s=19
